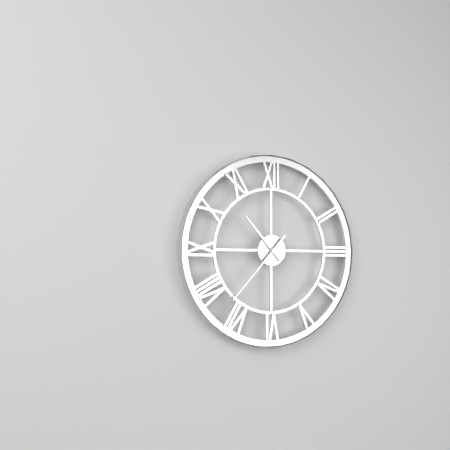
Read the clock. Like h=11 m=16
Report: h=10 m=37
